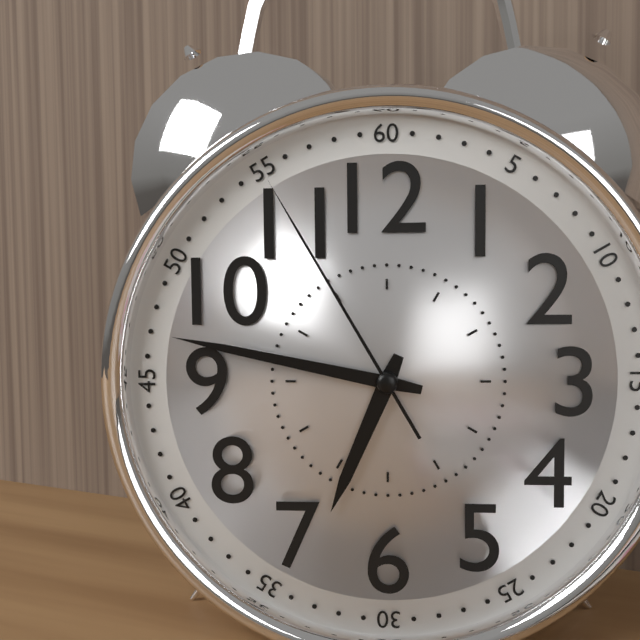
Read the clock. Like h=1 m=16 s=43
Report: h=6 m=47 s=55
